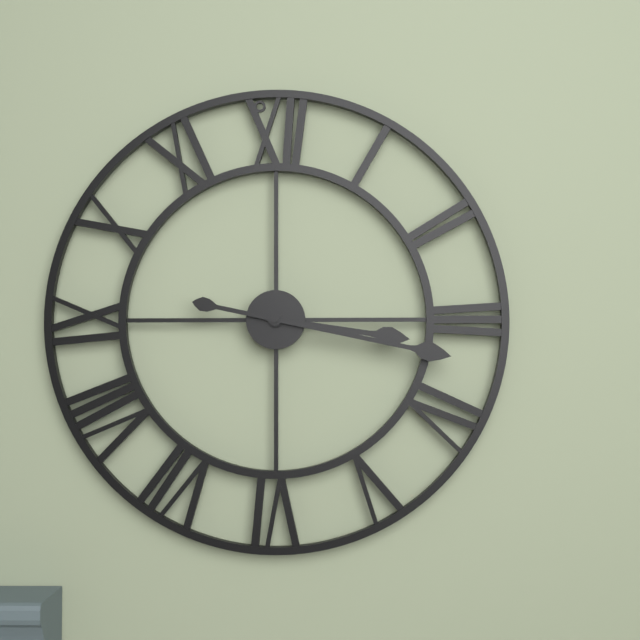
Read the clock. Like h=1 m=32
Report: h=3 m=17
